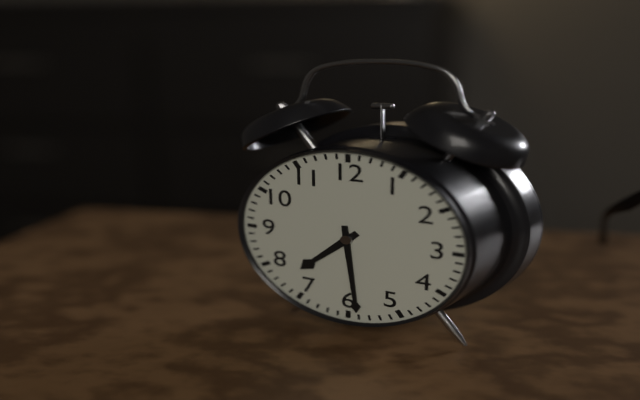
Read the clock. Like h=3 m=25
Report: h=7 m=29
